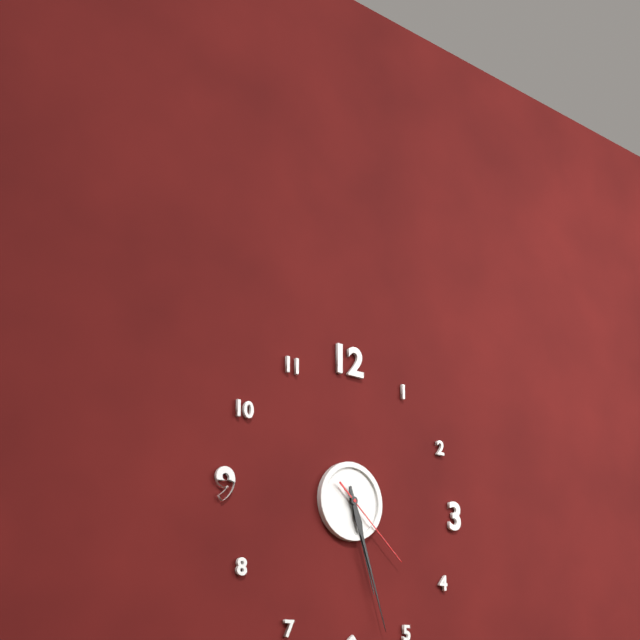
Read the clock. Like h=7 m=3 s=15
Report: h=5 m=27 s=22
